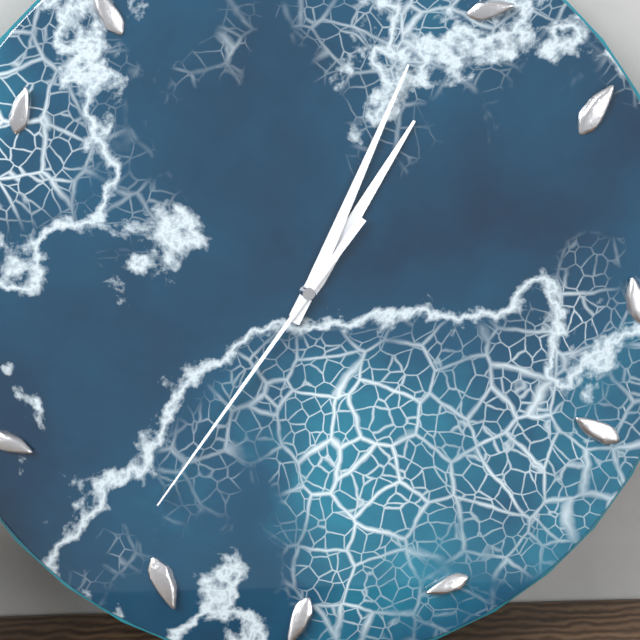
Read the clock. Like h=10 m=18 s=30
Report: h=1 m=4 s=36
